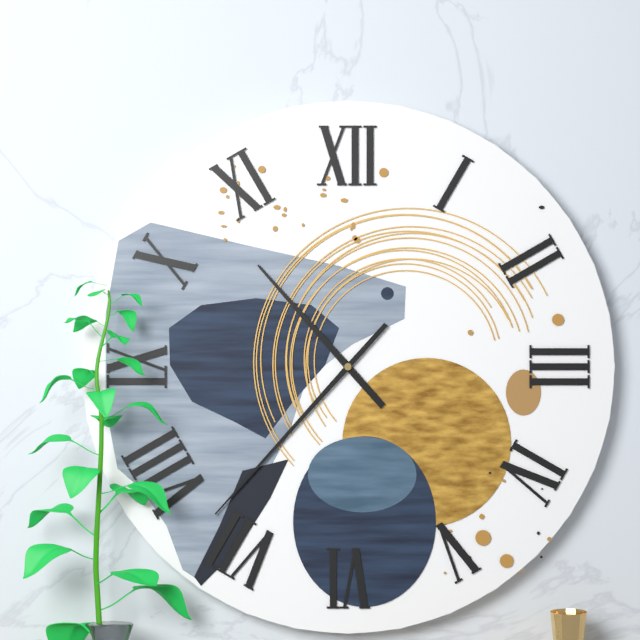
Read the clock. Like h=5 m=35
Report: h=10 m=37
